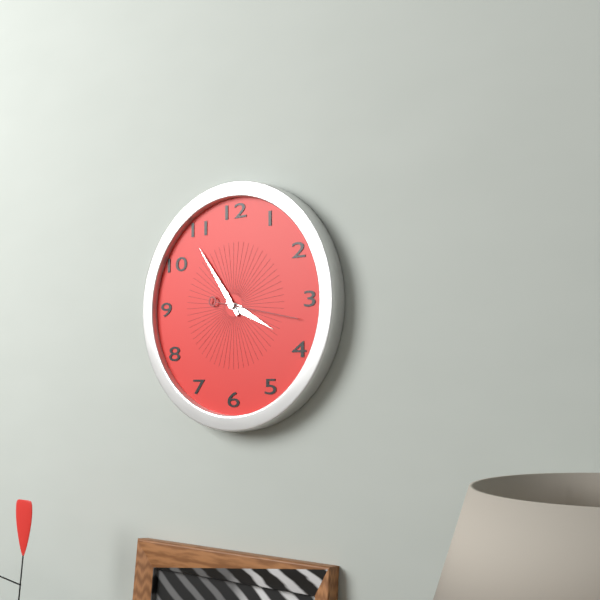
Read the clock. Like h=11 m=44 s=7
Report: h=3 m=54 s=17
